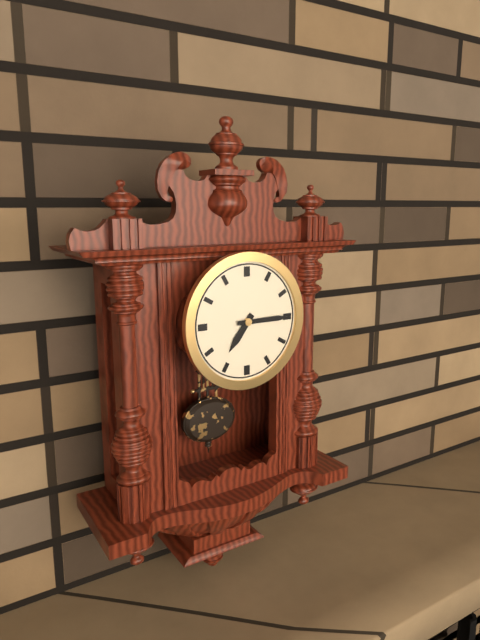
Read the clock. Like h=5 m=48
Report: h=7 m=15
